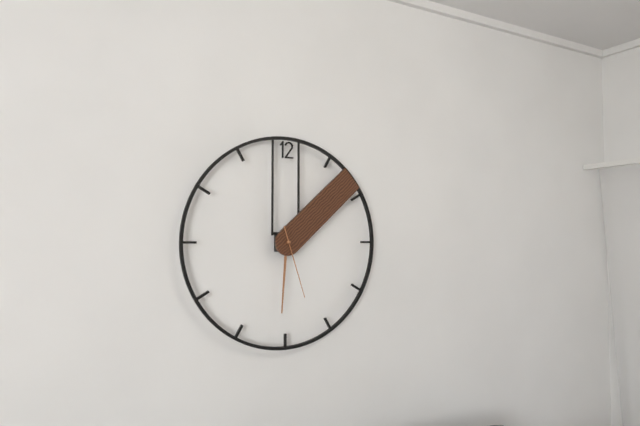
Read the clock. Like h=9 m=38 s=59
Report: h=6 m=8 s=27
